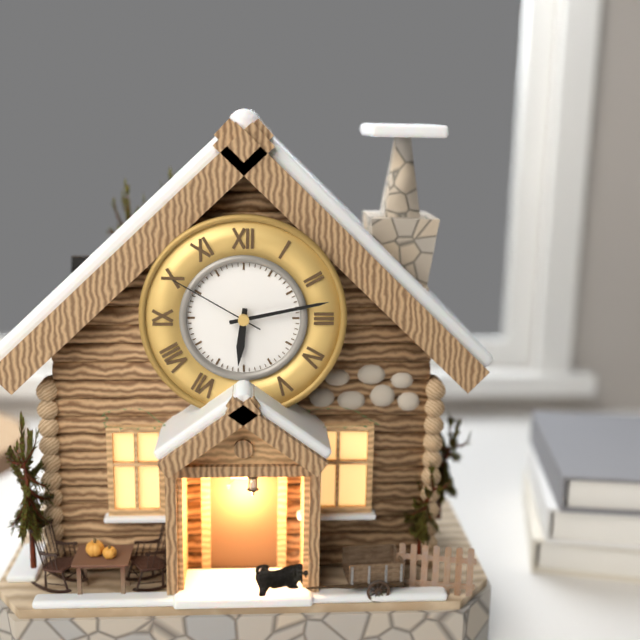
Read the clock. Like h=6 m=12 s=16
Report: h=6 m=13 s=50
